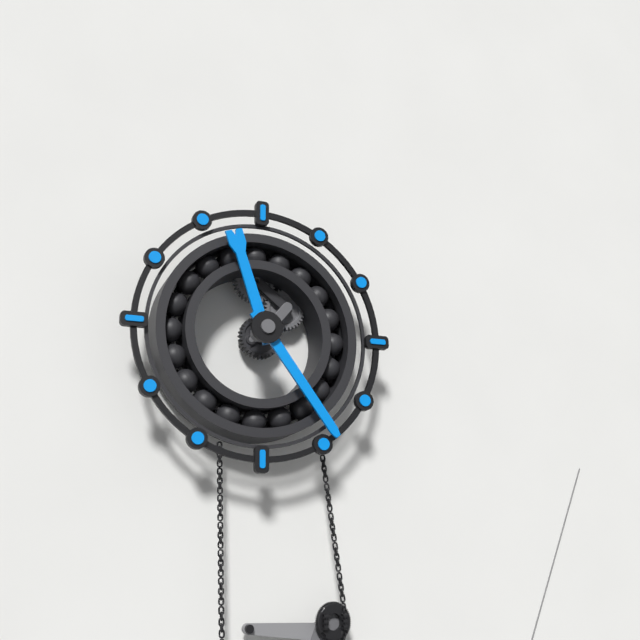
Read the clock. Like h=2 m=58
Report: h=11 m=24
